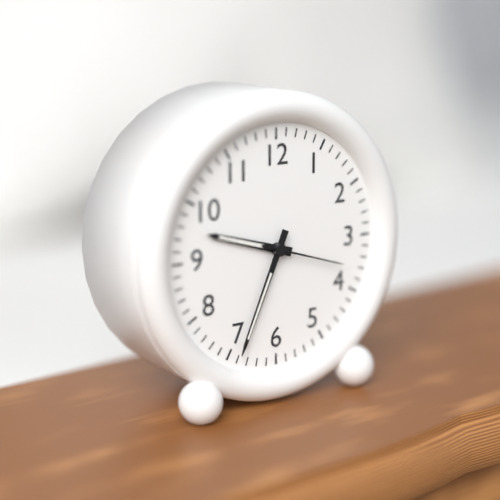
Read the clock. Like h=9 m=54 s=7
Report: h=9 m=34 s=18
